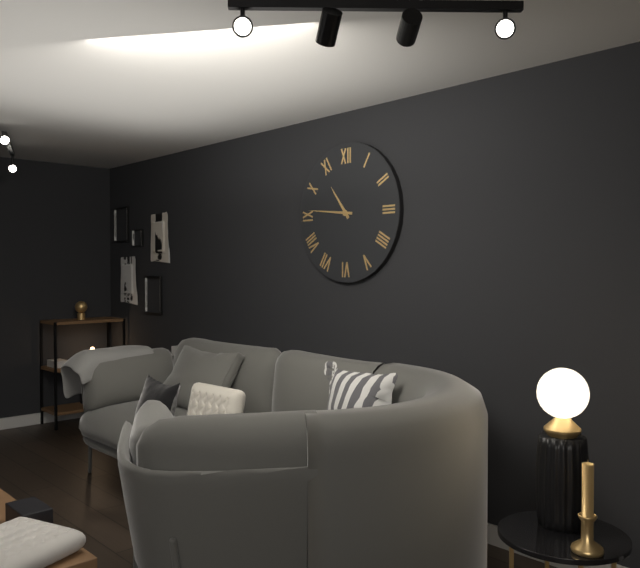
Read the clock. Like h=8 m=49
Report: h=10 m=46
